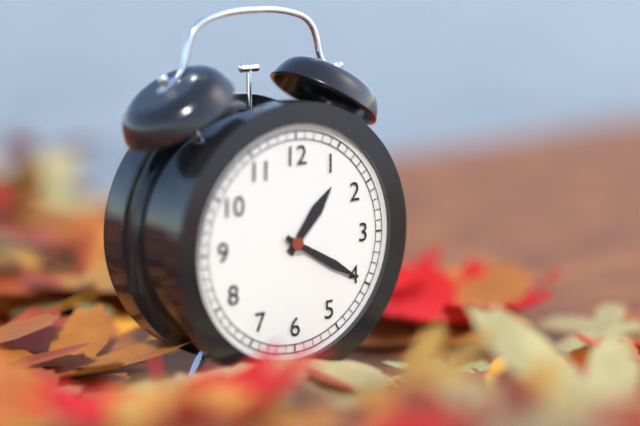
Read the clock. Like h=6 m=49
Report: h=1 m=20
